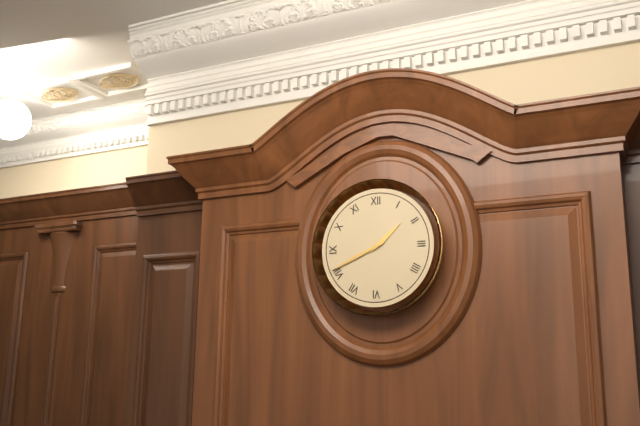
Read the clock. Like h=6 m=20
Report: h=1 m=41
